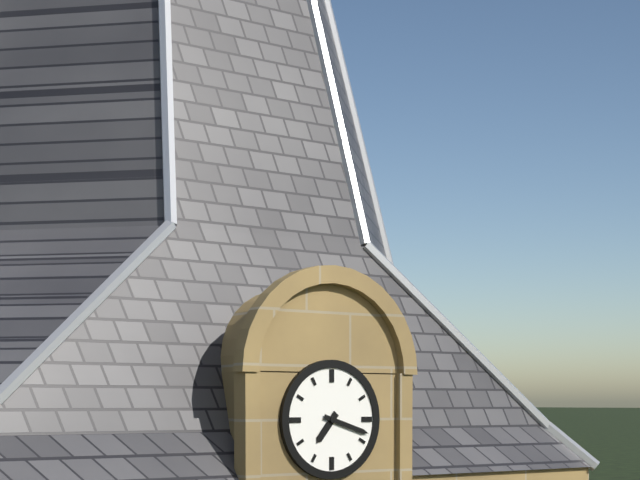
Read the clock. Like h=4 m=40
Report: h=7 m=18
